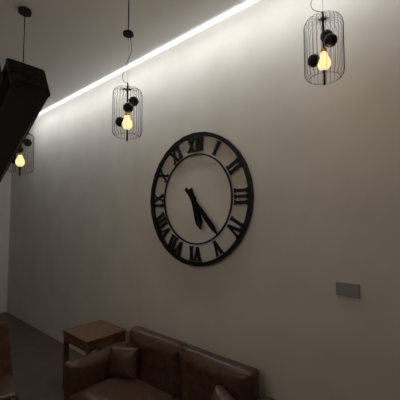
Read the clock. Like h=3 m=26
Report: h=5 m=23
